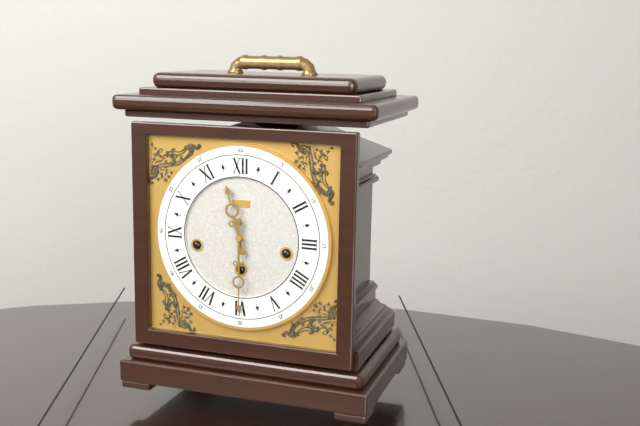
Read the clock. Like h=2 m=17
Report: h=11 m=30
